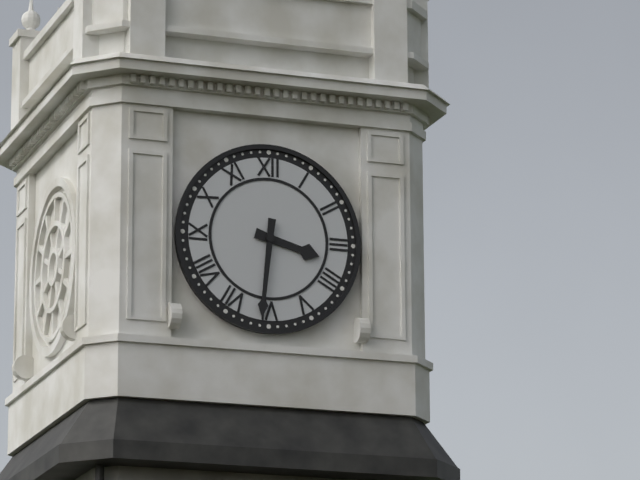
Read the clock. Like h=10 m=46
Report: h=3 m=31
